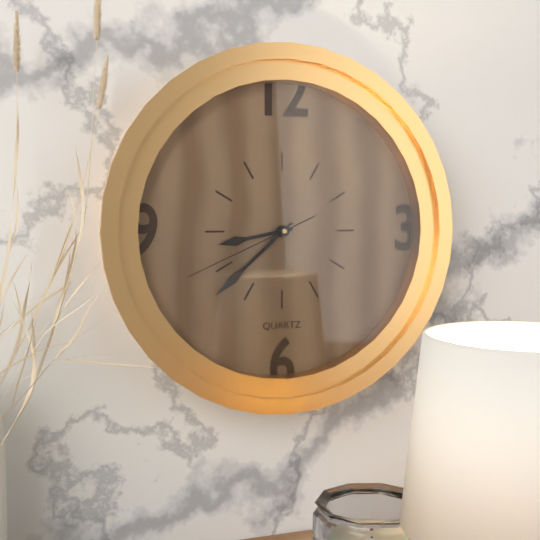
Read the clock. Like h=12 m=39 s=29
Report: h=8 m=38 s=41
